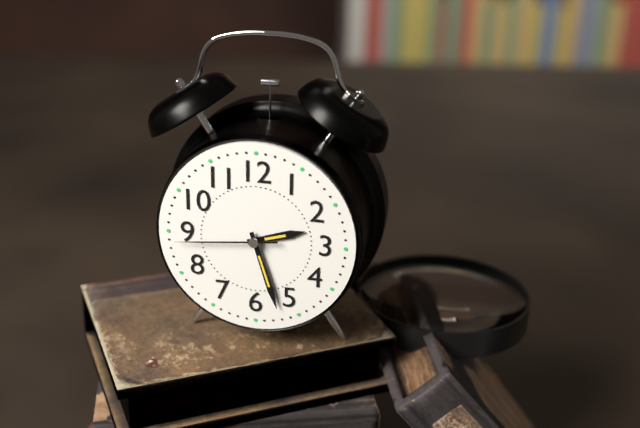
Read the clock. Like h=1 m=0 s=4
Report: h=2 m=27 s=44
